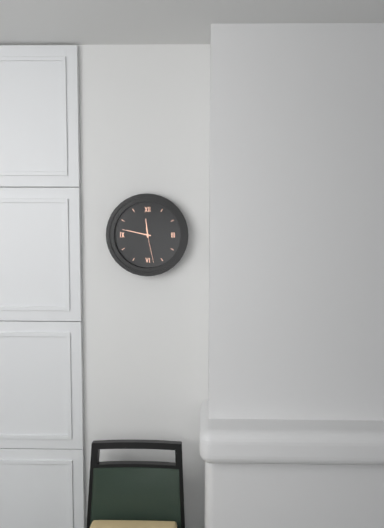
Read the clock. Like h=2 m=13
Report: h=11 m=47
